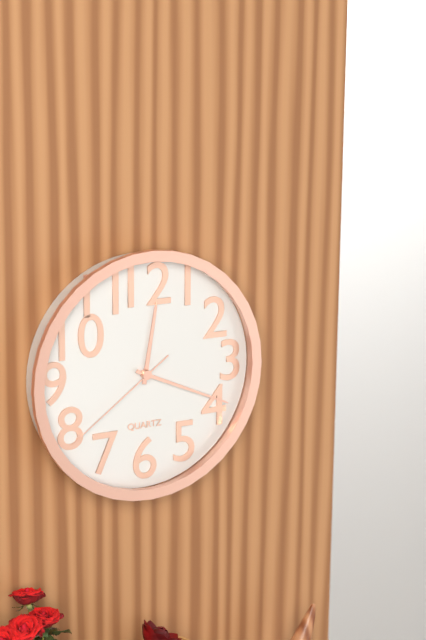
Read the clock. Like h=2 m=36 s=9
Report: h=12 m=19 s=39
